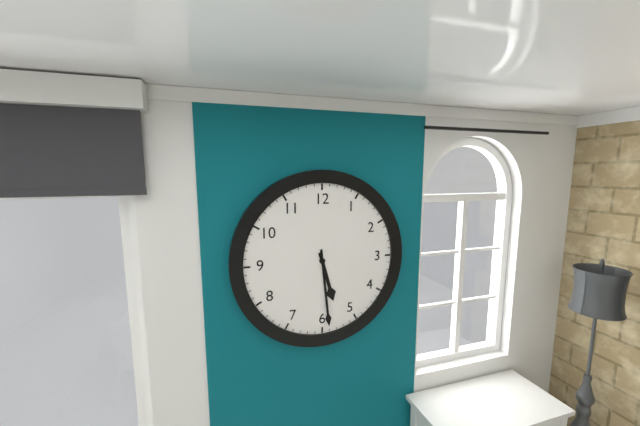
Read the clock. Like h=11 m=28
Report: h=5 m=29
